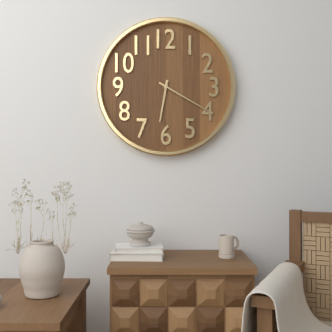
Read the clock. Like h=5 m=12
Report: h=6 m=20
